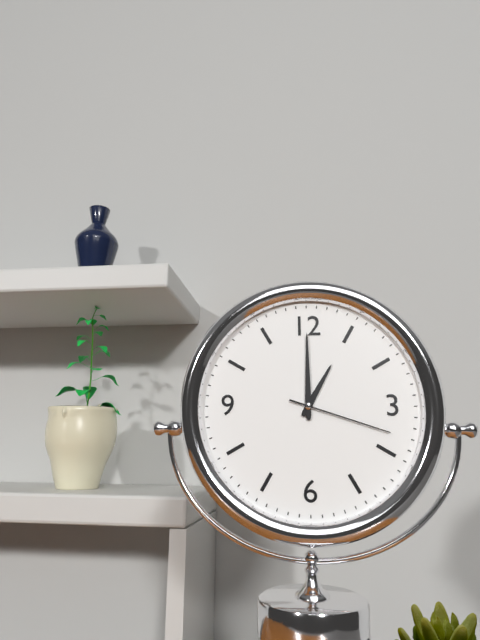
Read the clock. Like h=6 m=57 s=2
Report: h=1 m=0 s=18
